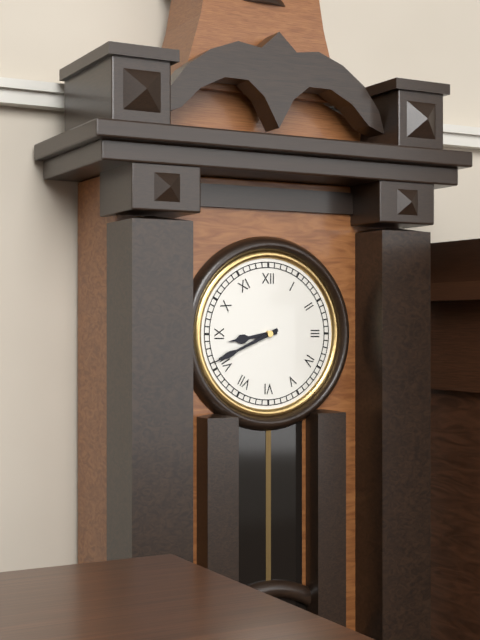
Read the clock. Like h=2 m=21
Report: h=8 m=41
